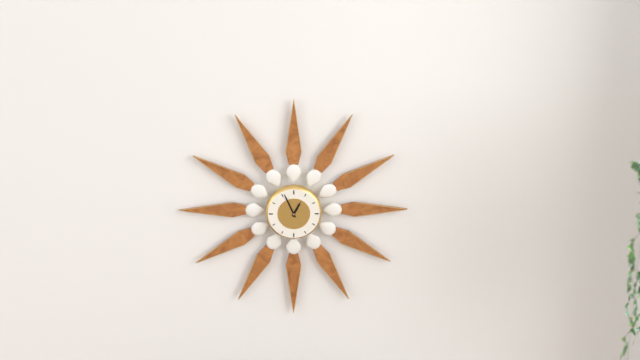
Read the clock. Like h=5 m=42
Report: h=12 m=56
